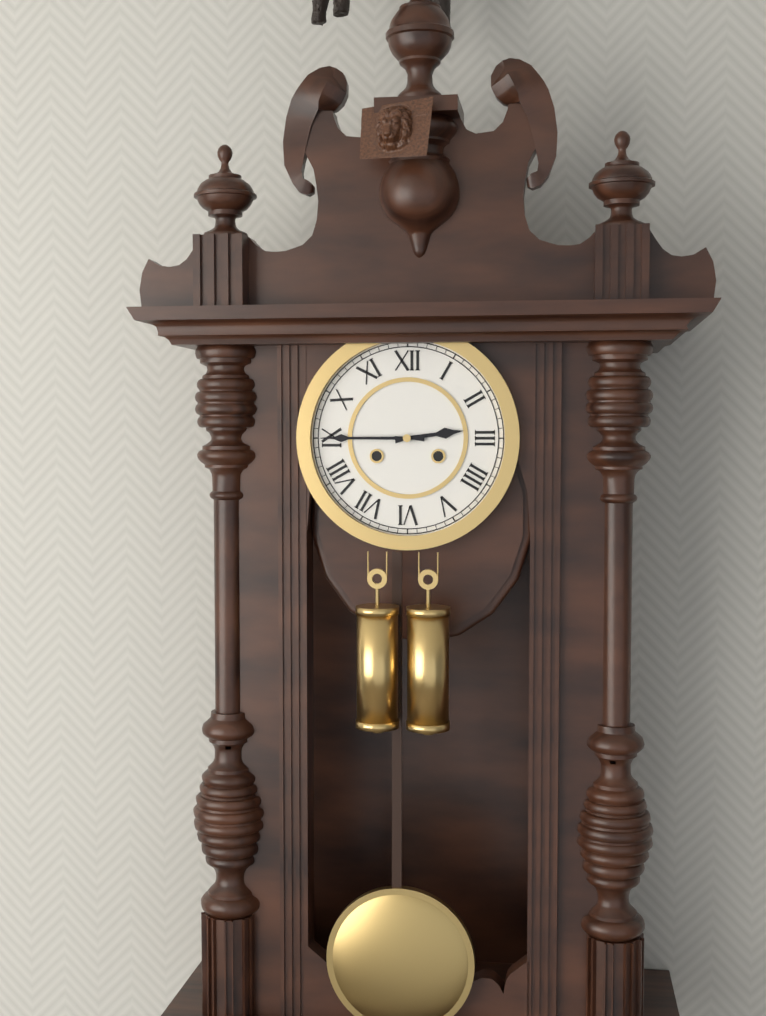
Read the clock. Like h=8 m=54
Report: h=2 m=45
